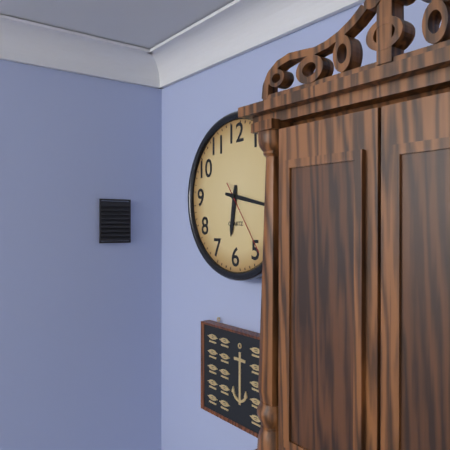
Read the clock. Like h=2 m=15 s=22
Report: h=6 m=17 s=24
